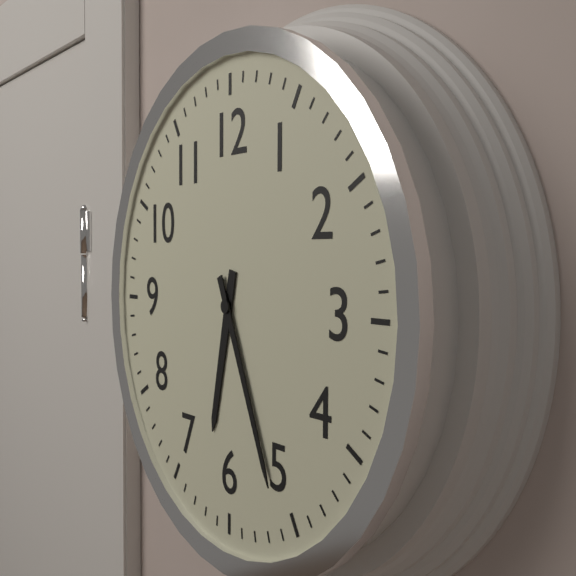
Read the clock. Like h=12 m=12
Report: h=6 m=26
